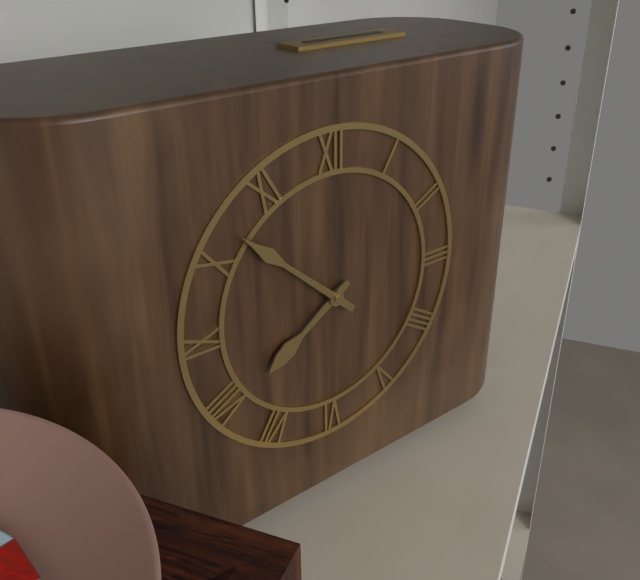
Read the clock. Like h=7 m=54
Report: h=7 m=52
